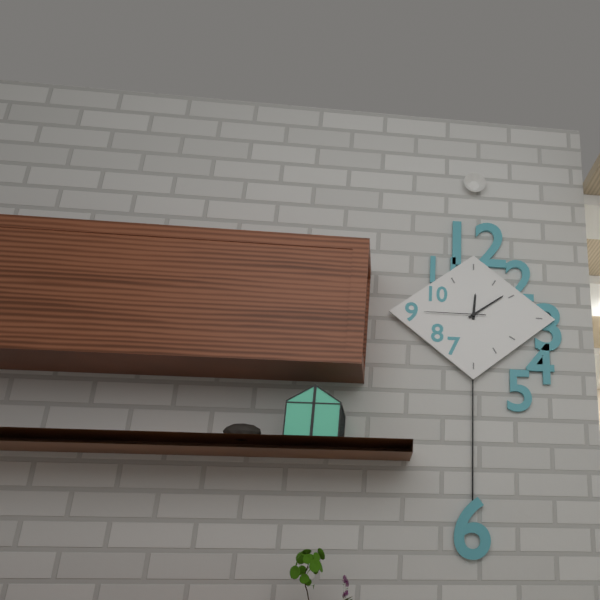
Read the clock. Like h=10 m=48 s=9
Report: h=12 m=9 s=45
